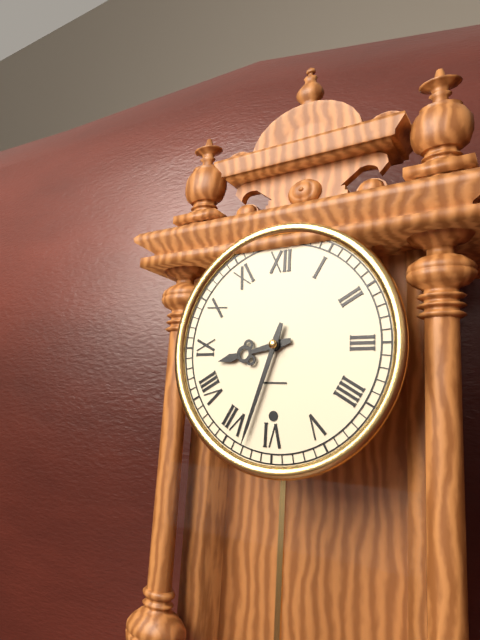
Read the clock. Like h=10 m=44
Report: h=8 m=33
